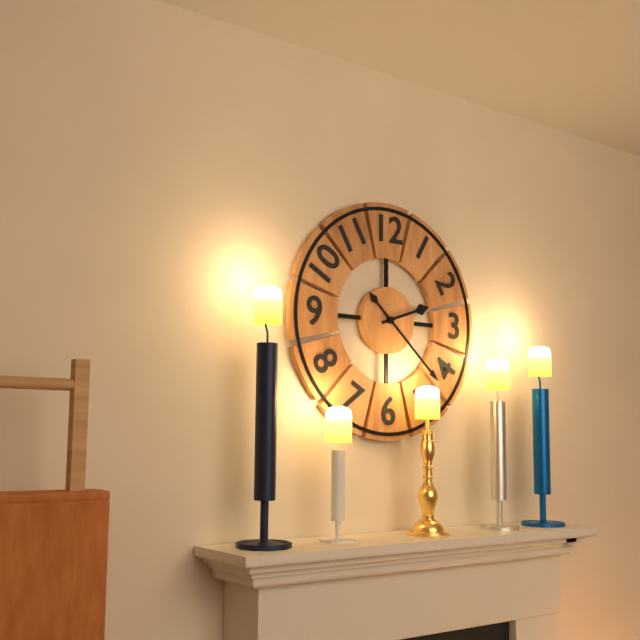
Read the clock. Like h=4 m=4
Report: h=2 m=22
